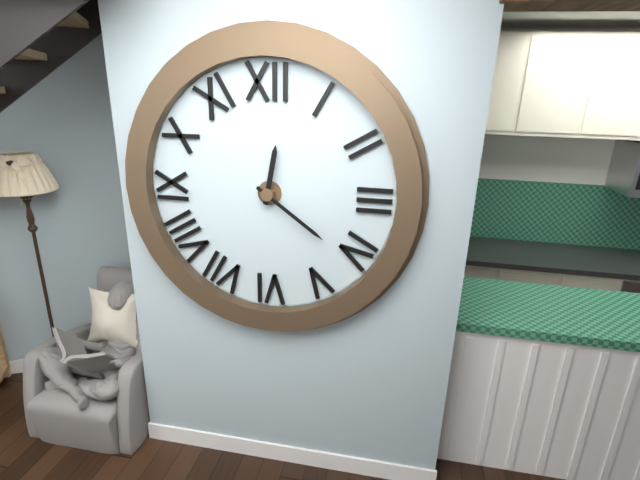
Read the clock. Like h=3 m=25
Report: h=12 m=21
